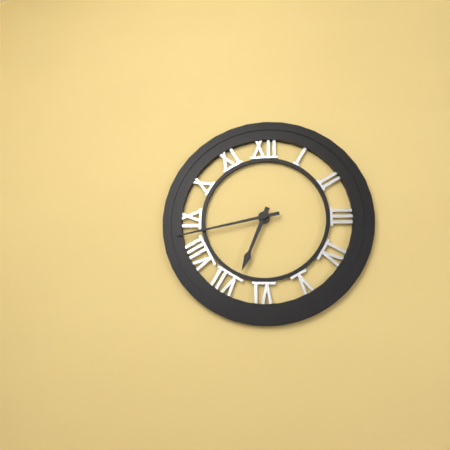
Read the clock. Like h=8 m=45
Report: h=6 m=43
